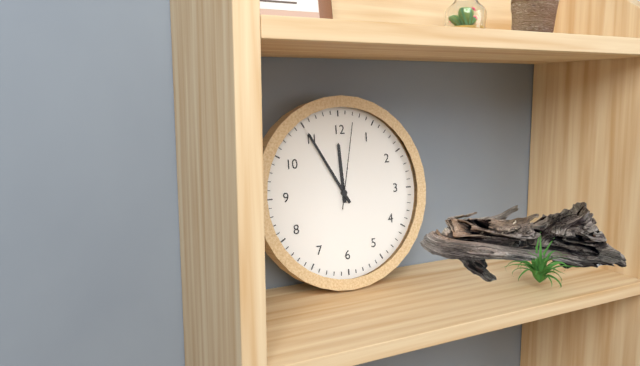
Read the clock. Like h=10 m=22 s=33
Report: h=11 m=55 s=2
